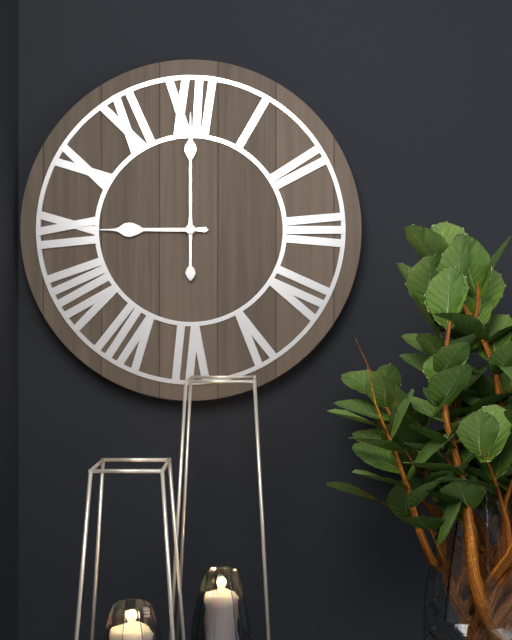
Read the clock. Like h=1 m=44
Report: h=9 m=0
